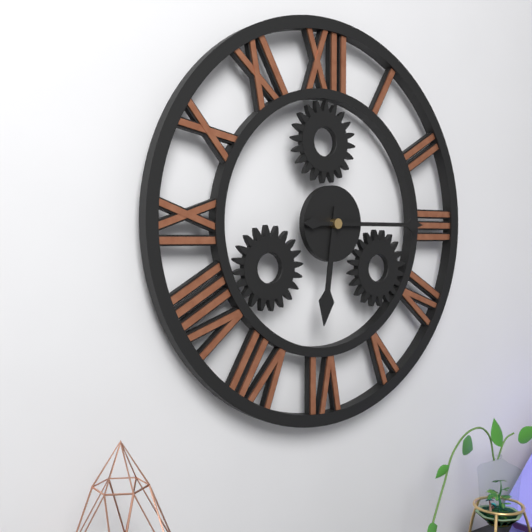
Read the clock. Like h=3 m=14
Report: h=6 m=15
